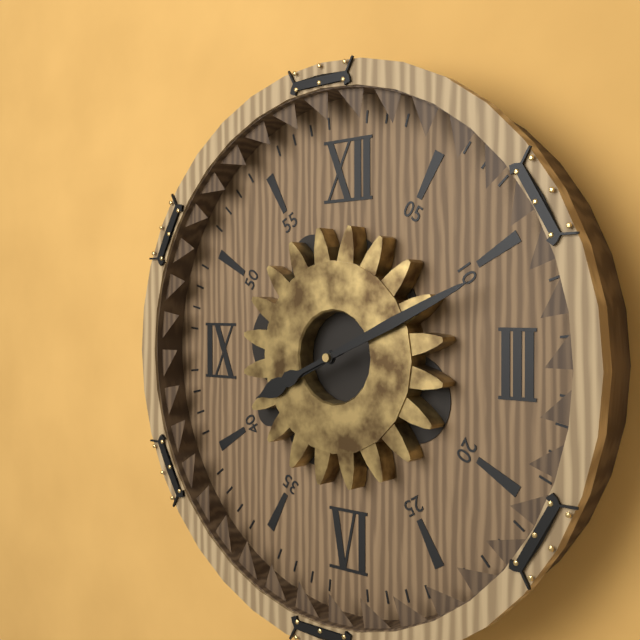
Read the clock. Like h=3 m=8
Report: h=8 m=11
